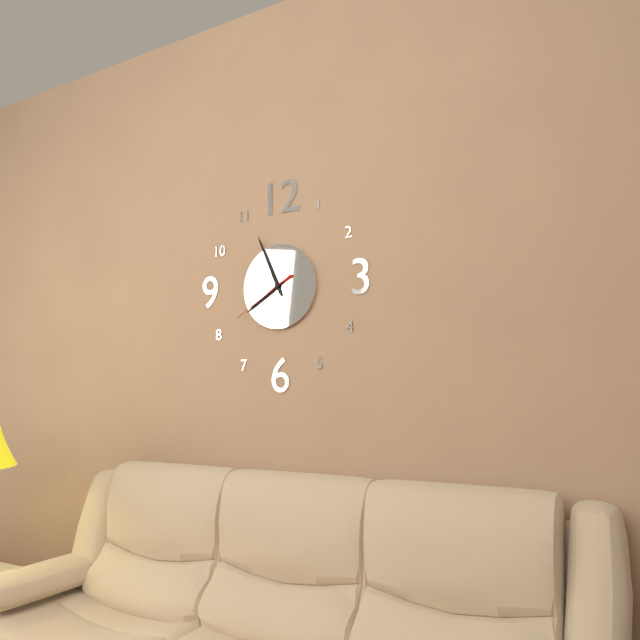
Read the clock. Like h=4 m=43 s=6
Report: h=7 m=56 s=40
